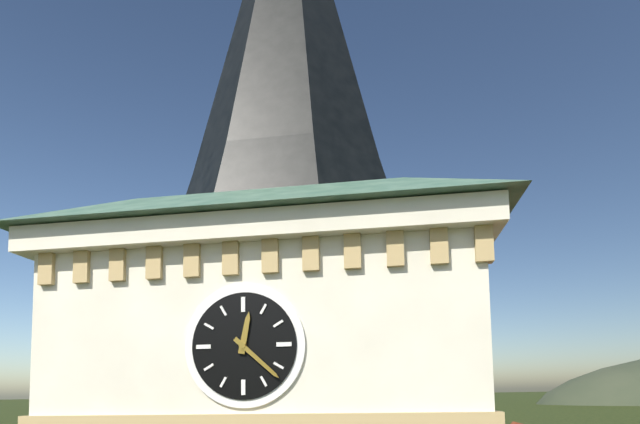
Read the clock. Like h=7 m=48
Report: h=12 m=22
